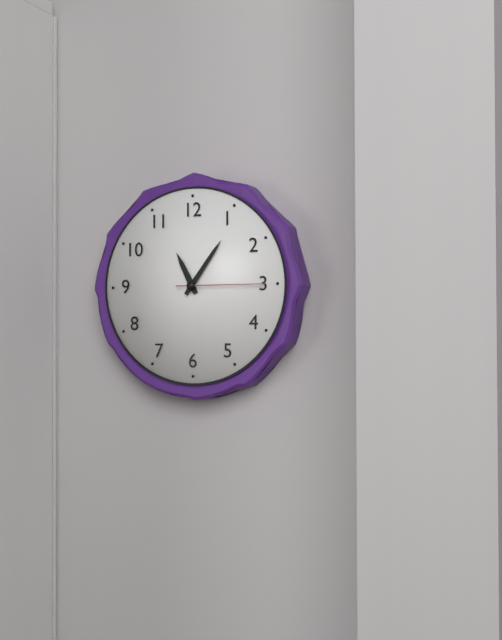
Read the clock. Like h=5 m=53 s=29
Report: h=11 m=6 s=15
